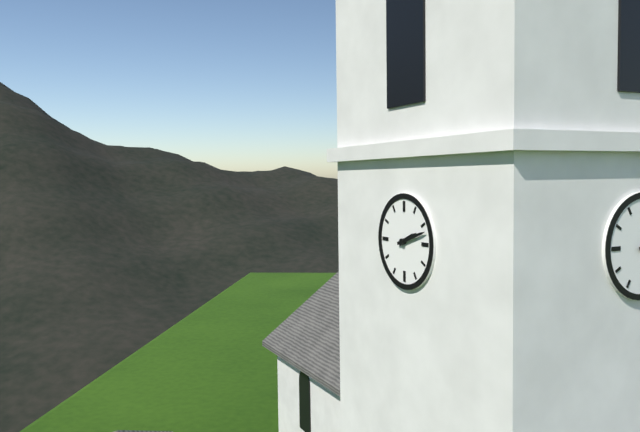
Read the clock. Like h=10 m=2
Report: h=2 m=12
